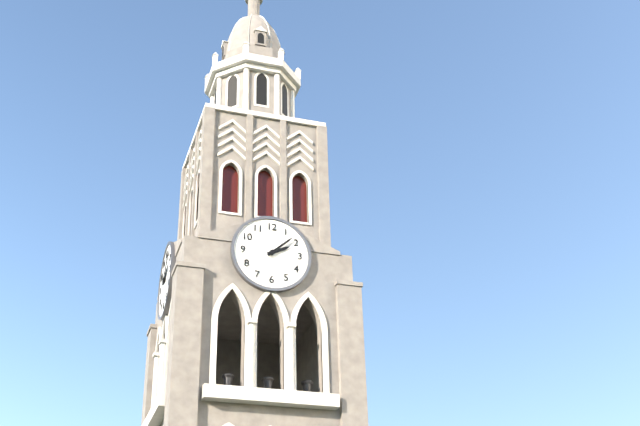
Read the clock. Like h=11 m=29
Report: h=2 m=8
